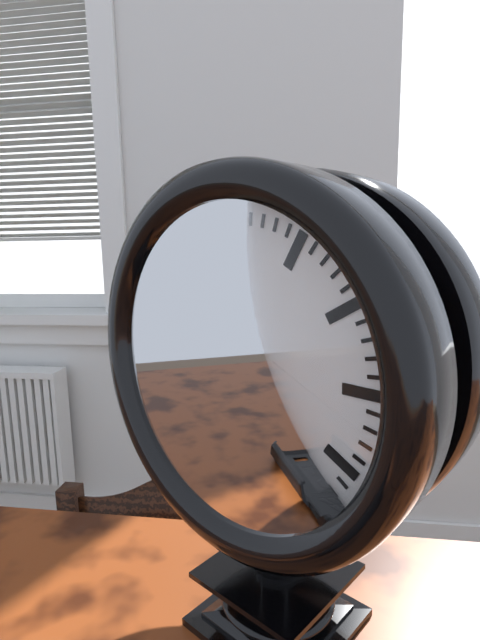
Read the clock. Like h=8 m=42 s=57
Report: h=11 m=50 s=33
